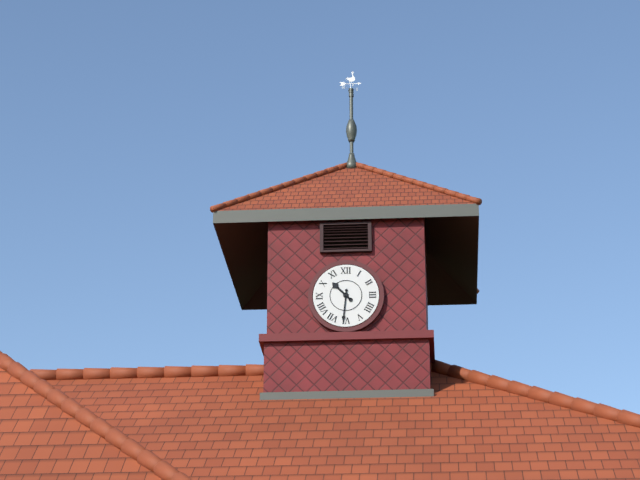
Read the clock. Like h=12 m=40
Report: h=10 m=31
